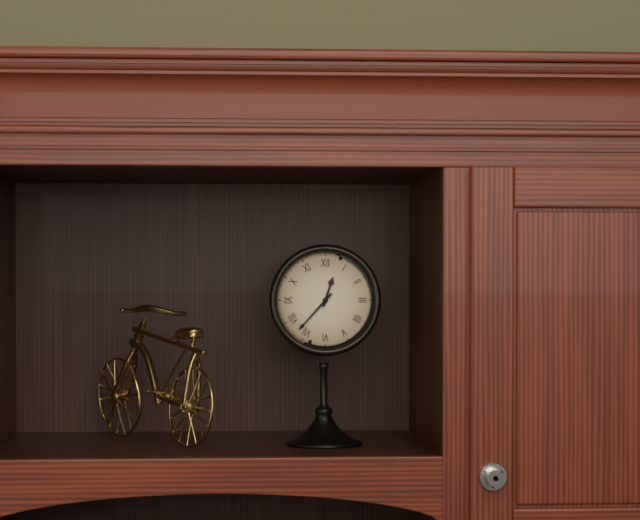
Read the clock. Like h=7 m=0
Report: h=12 m=37
